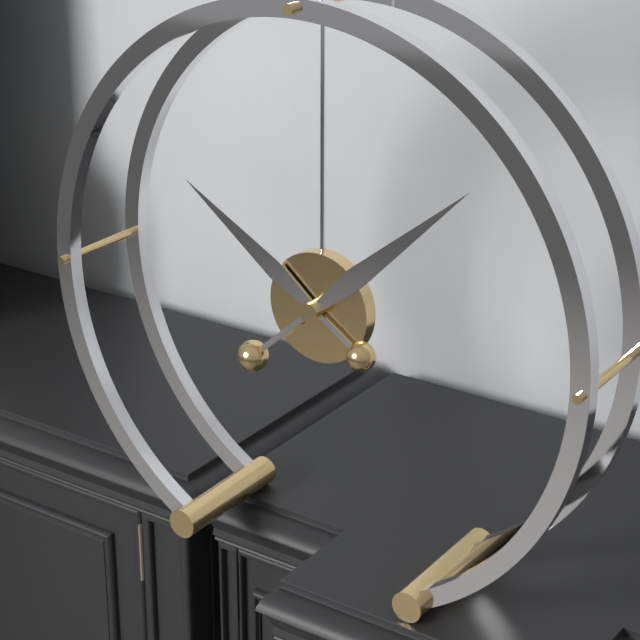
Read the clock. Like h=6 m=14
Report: h=10 m=8
